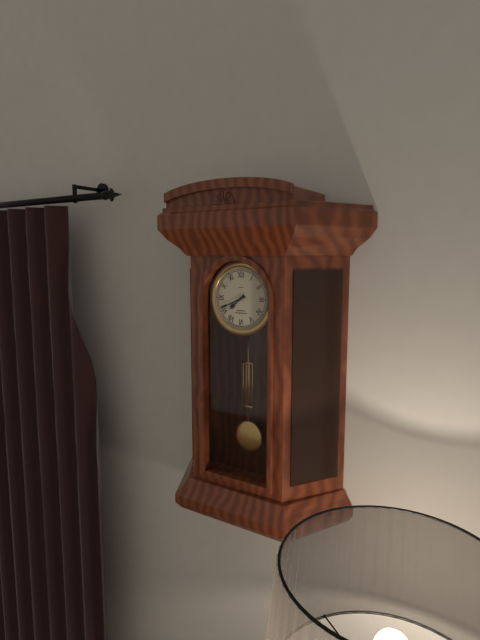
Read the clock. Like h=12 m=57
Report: h=7 m=41
